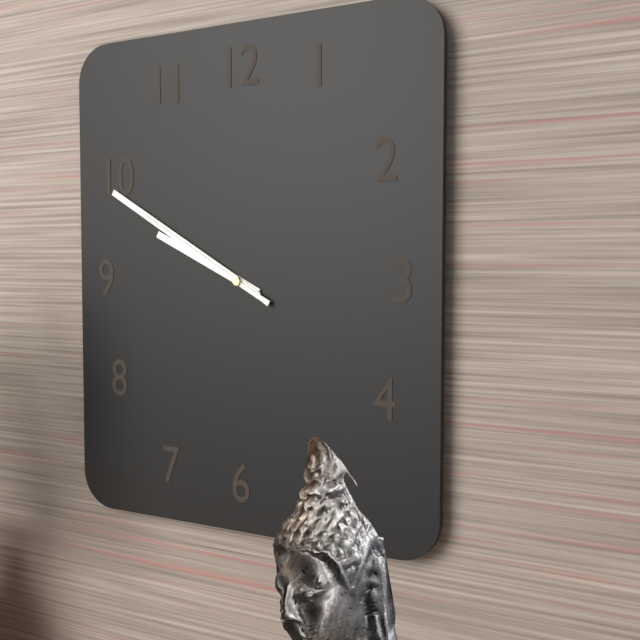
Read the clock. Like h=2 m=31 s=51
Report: h=9 m=50 s=50
